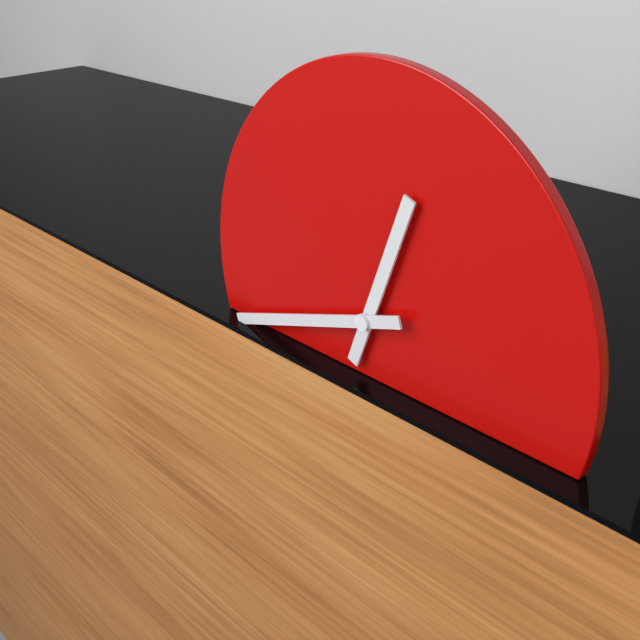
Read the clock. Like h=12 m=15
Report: h=12 m=42
